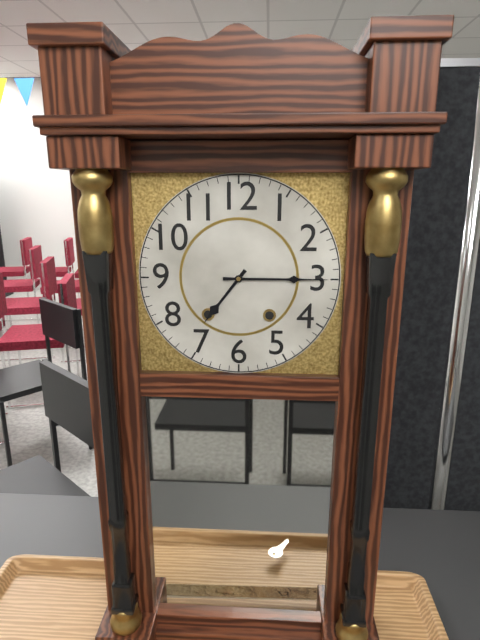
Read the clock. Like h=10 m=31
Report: h=7 m=15
